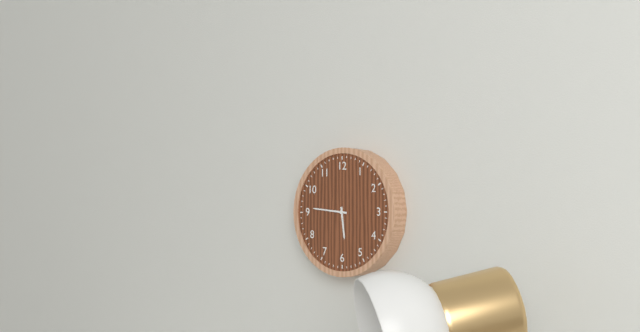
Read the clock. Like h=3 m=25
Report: h=5 m=46
